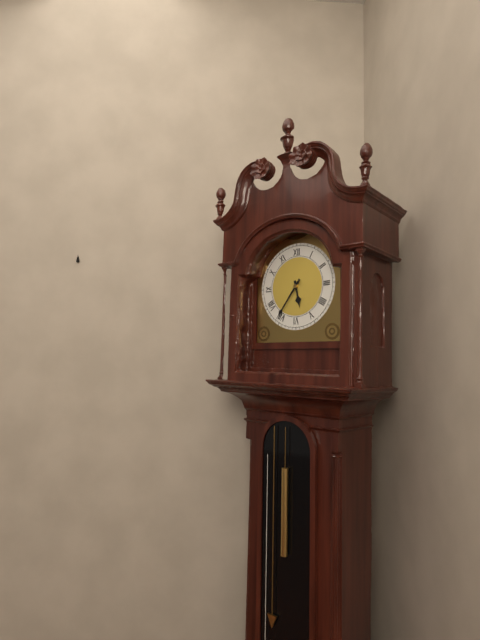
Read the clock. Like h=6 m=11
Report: h=5 m=36
